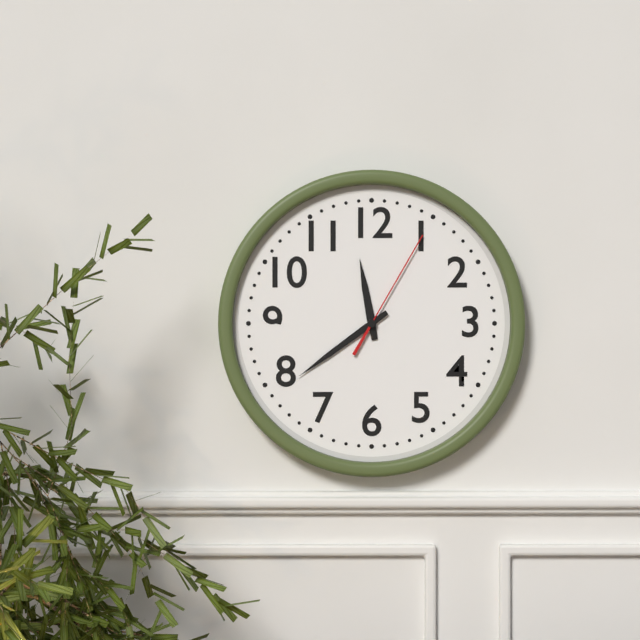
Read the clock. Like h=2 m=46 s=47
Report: h=11 m=39 s=5
